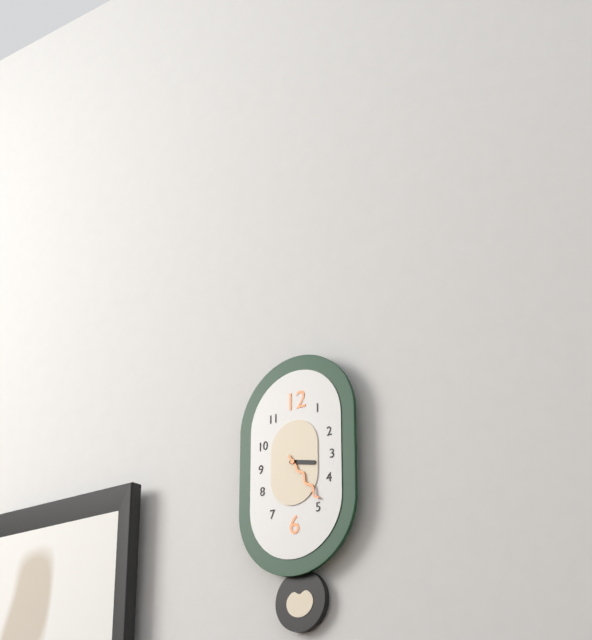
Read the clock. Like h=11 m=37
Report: h=3 m=24
